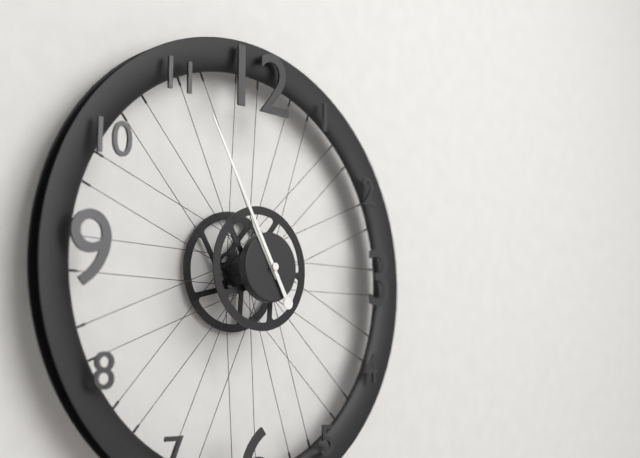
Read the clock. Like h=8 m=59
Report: h=10 m=55
